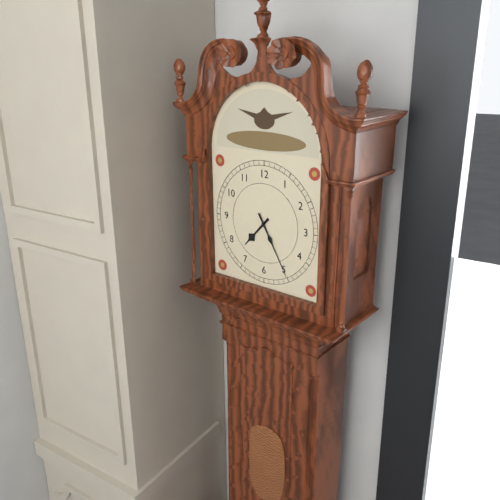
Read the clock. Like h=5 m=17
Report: h=7 m=25
